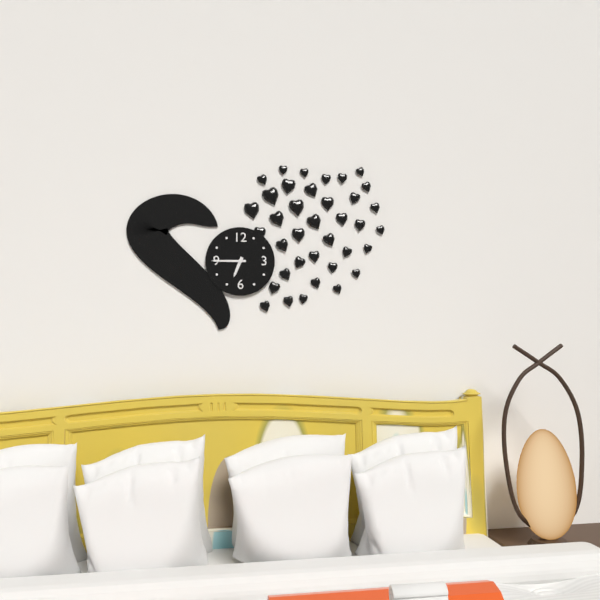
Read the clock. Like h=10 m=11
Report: h=6 m=45
